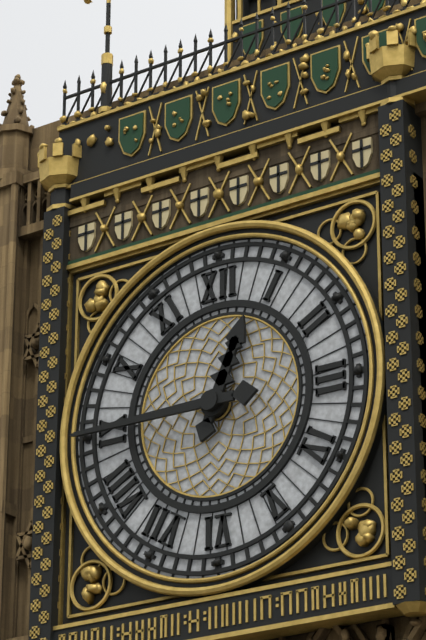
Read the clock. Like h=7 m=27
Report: h=12 m=45
